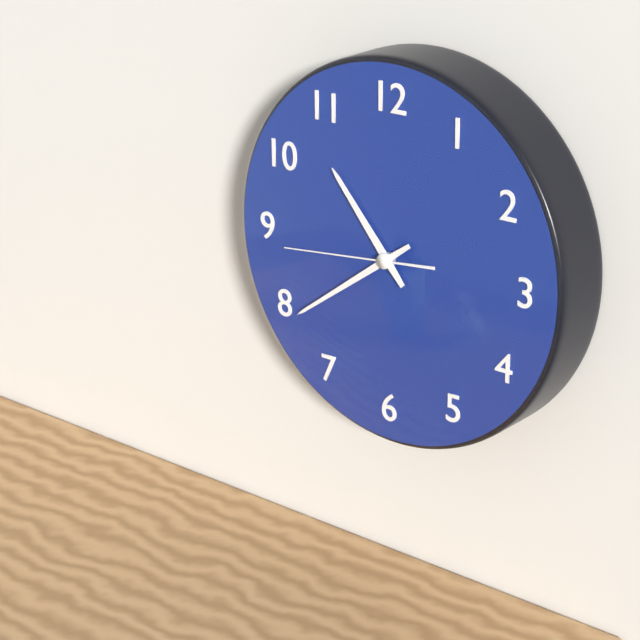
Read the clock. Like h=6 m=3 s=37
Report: h=10 m=39 s=44
